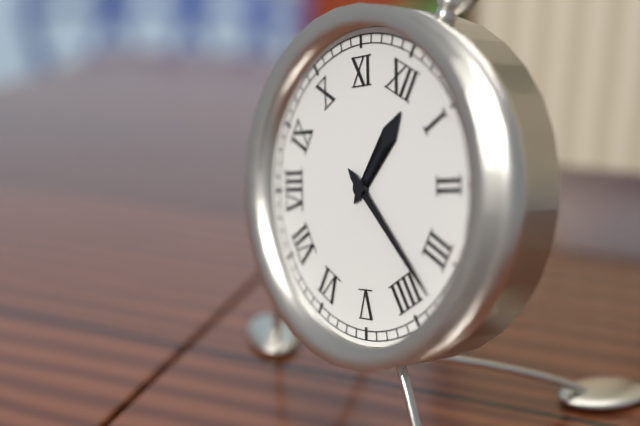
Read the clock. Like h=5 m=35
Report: h=12 m=18
